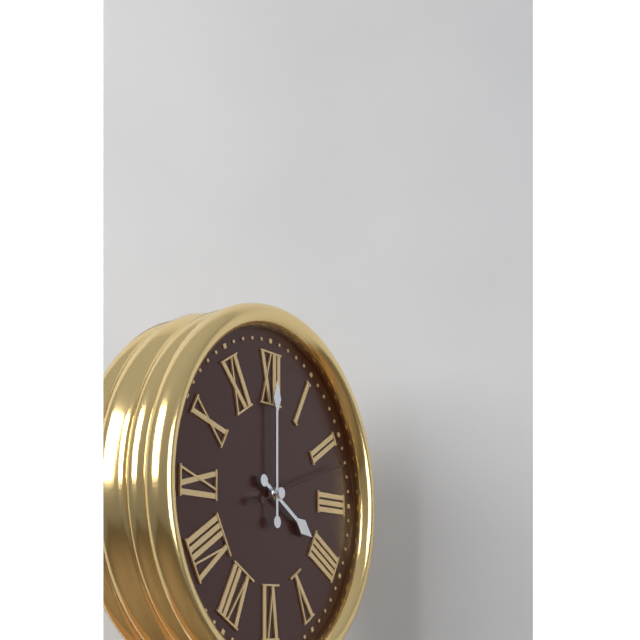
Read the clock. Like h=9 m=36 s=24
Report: h=4 m=0 s=12
